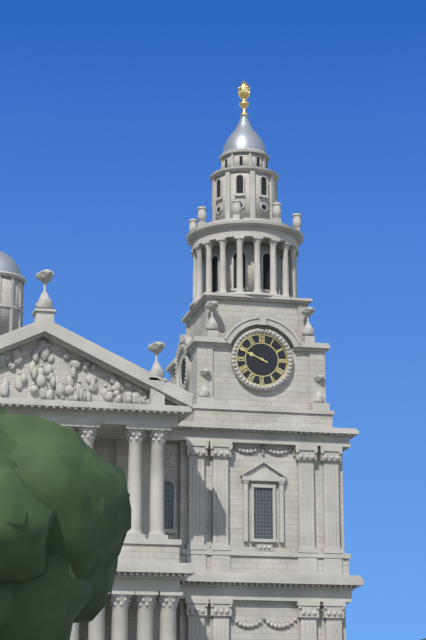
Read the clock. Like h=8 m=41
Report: h=9 m=49
